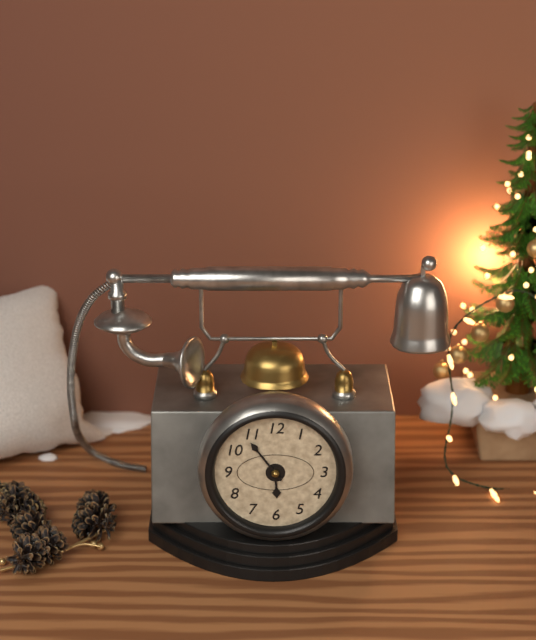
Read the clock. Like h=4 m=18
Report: h=5 m=54
